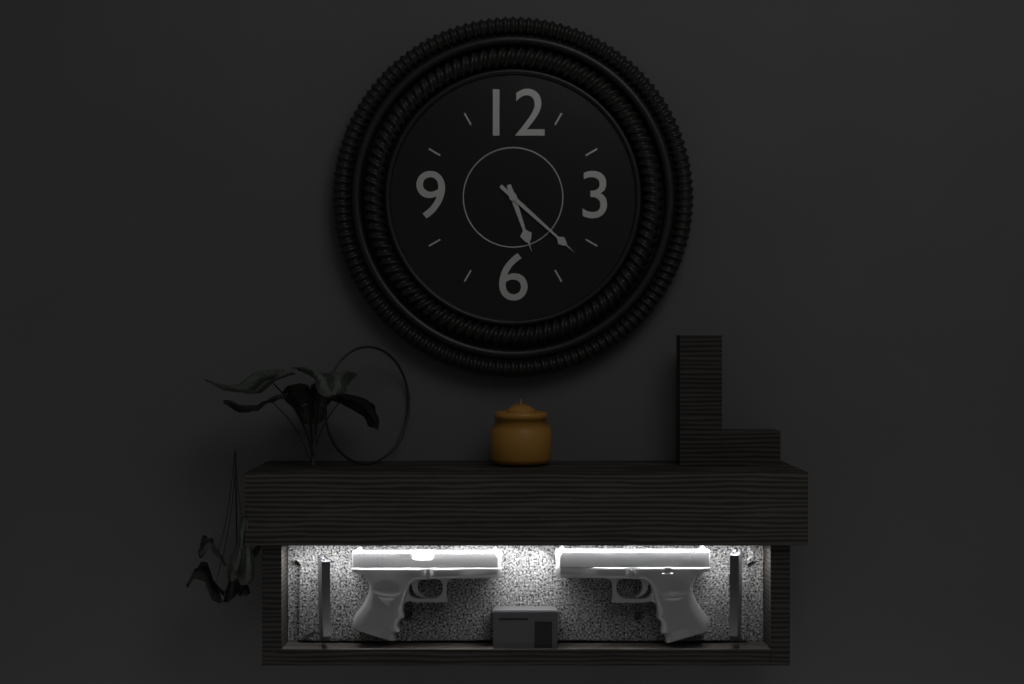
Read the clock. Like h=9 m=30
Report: h=5 m=22
